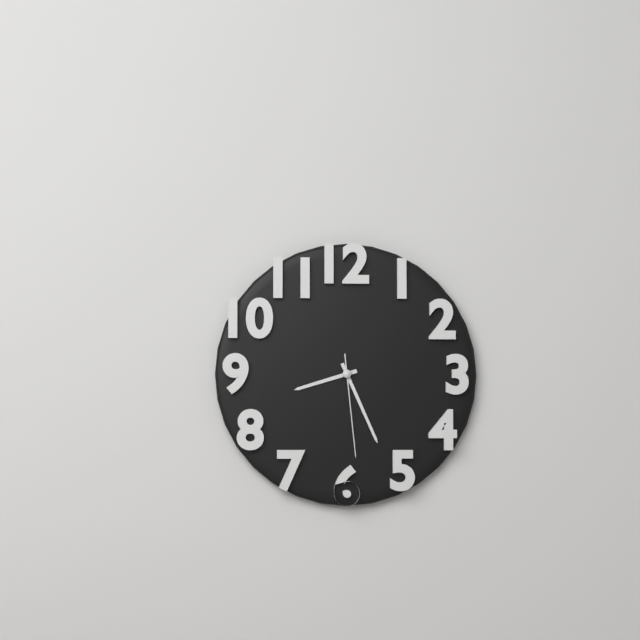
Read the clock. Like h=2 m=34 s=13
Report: h=8 m=26 s=29
